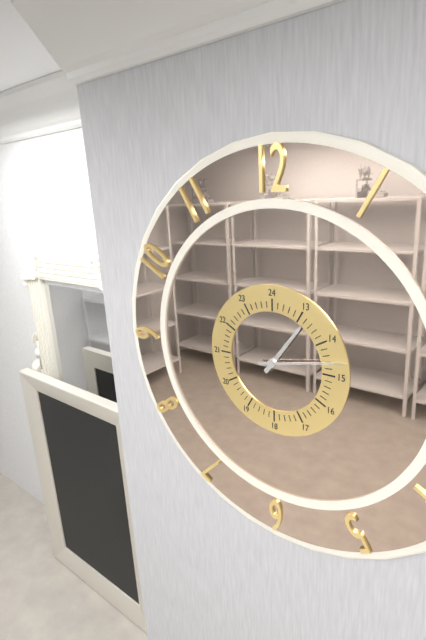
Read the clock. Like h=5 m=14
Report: h=1 m=13
